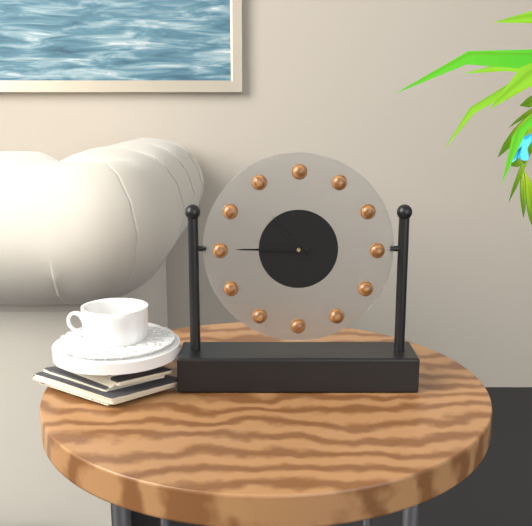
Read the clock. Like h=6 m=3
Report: h=10 m=45
